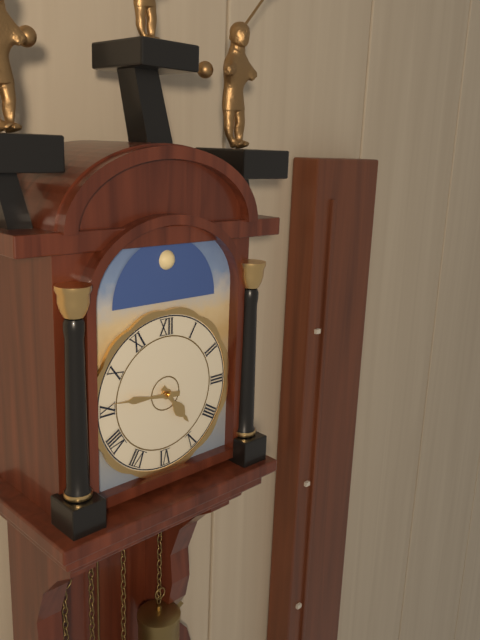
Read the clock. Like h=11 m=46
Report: h=4 m=46
